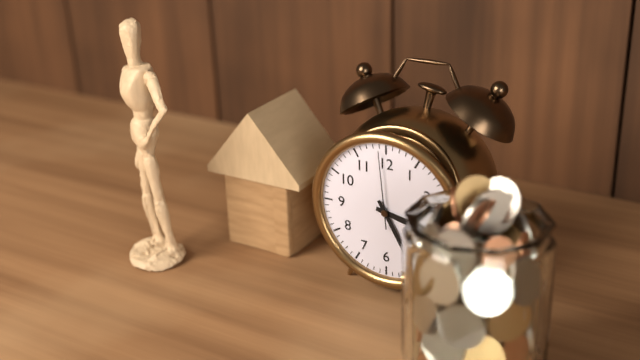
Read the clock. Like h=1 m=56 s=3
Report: h=3 m=25 s=59
